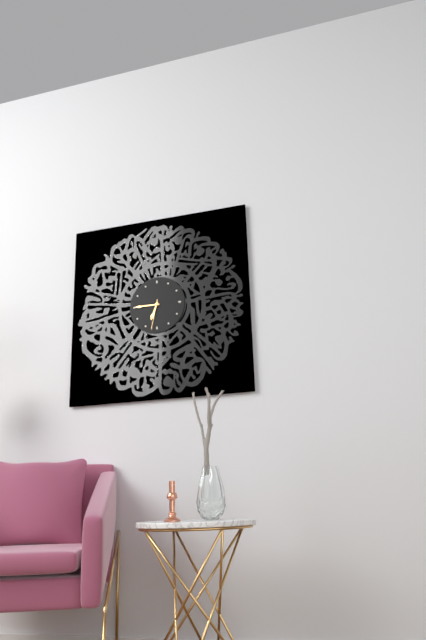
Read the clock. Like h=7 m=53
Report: h=6 m=45
